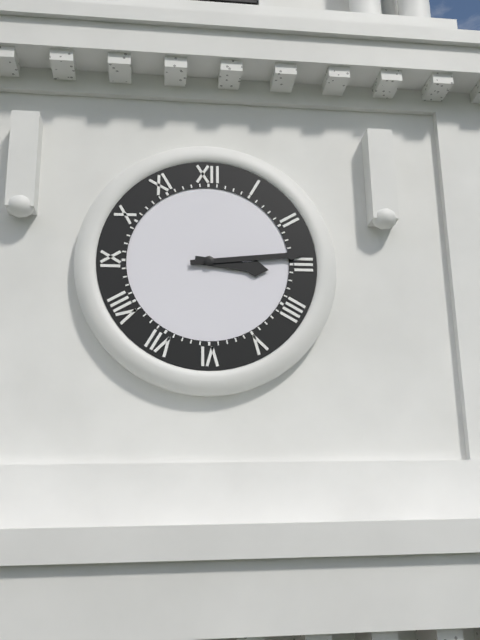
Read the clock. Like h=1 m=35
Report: h=3 m=14
